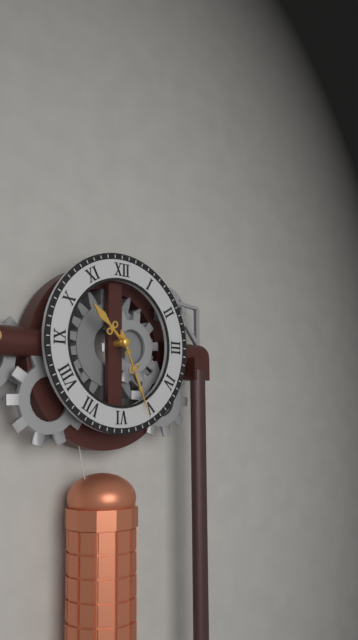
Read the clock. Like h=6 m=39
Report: h=10 m=26
